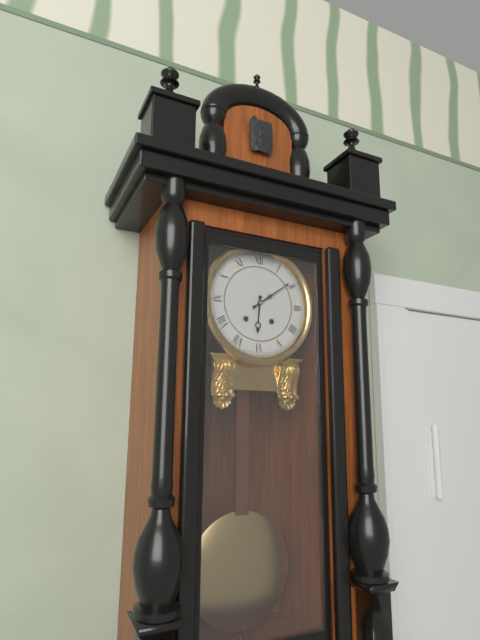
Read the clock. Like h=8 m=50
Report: h=6 m=9
